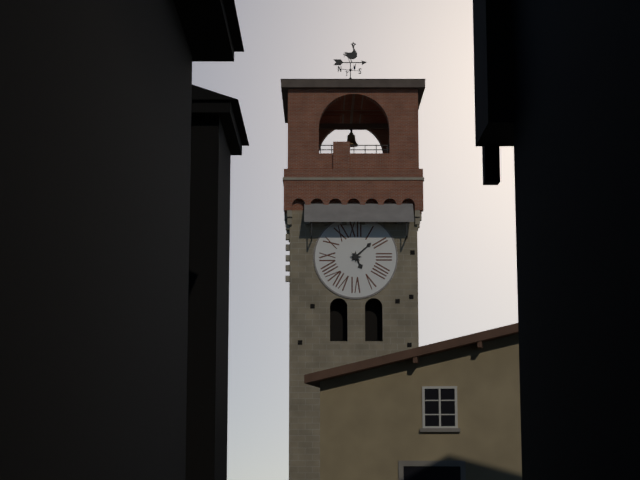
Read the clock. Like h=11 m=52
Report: h=5 m=8
